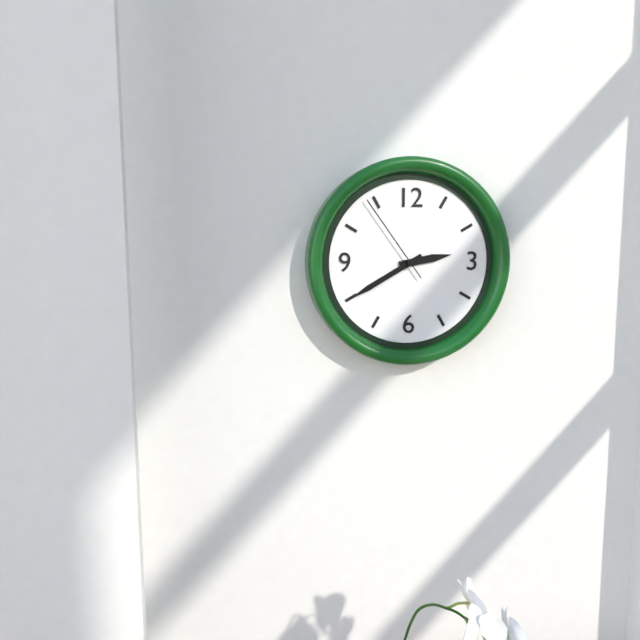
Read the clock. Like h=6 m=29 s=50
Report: h=2 m=40 s=54
